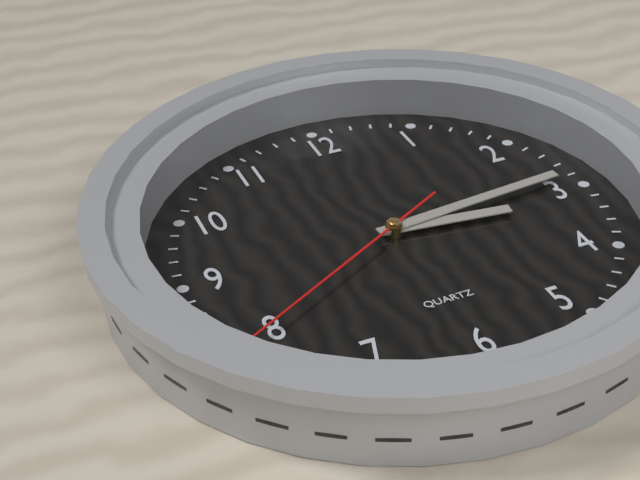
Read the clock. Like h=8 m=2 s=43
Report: h=3 m=14 s=40
